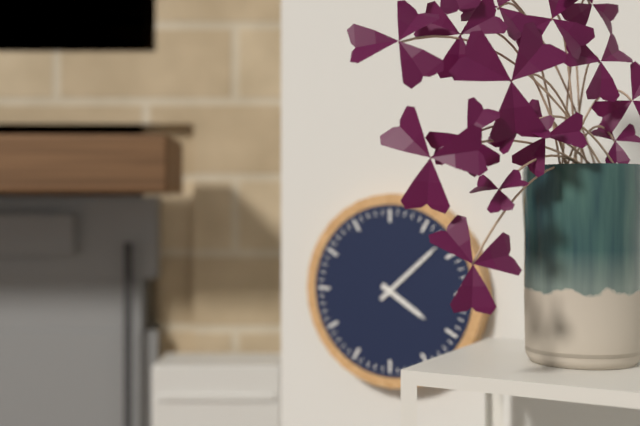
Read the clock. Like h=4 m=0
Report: h=4 m=8
